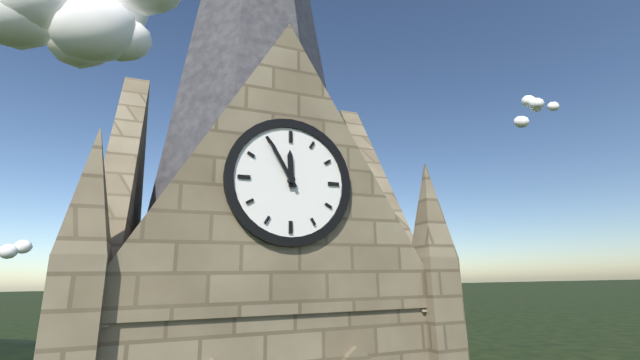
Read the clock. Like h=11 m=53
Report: h=11 m=55
